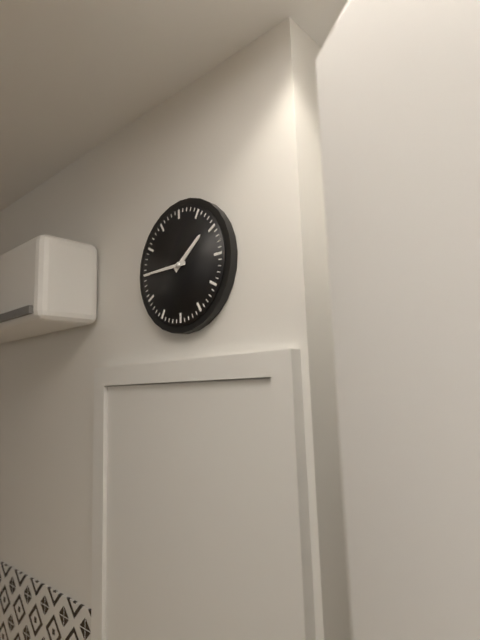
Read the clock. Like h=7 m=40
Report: h=1 m=45
